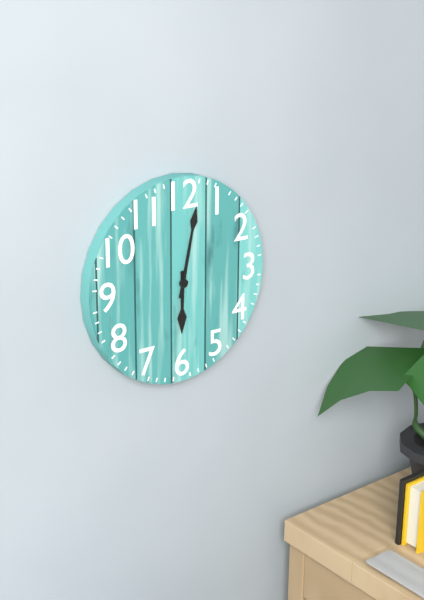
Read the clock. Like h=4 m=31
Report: h=6 m=2
